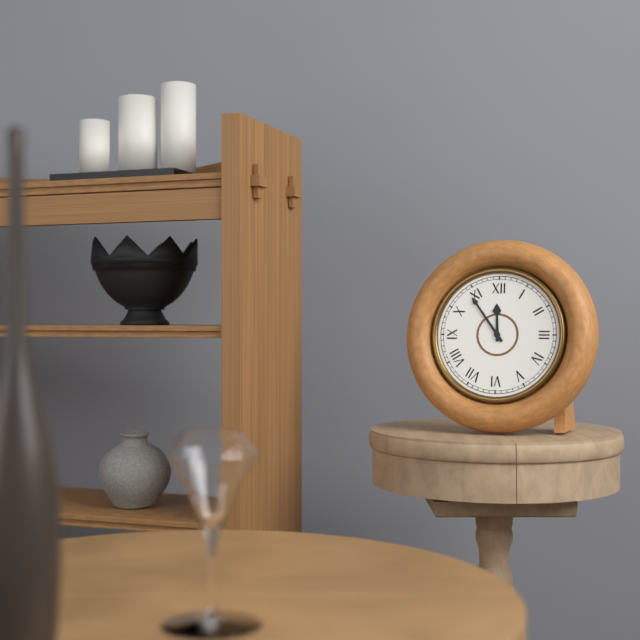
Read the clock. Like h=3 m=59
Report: h=11 m=54
